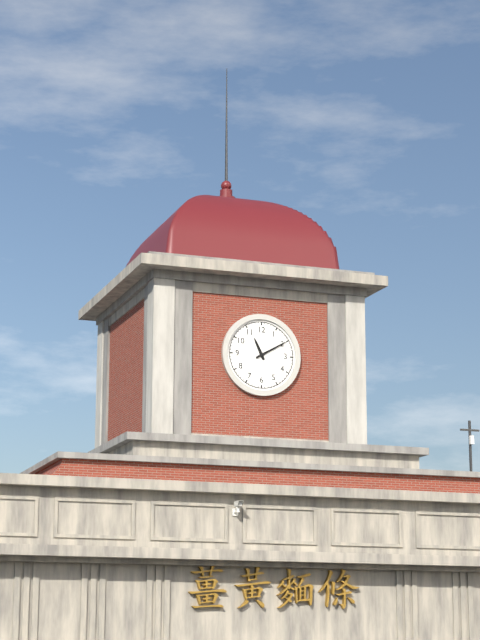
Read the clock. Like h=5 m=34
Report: h=11 m=10
